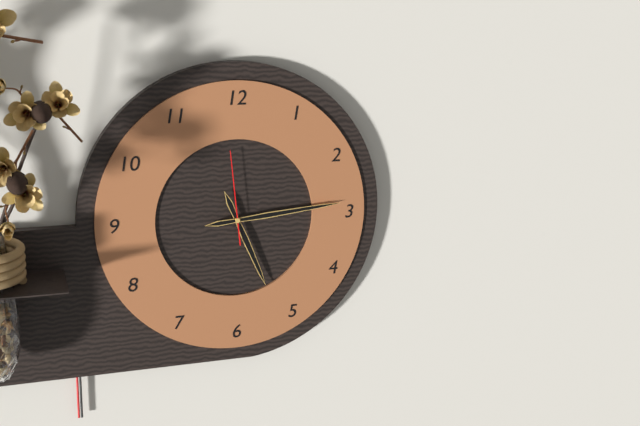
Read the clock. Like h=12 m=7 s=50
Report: h=5 m=14 s=59
